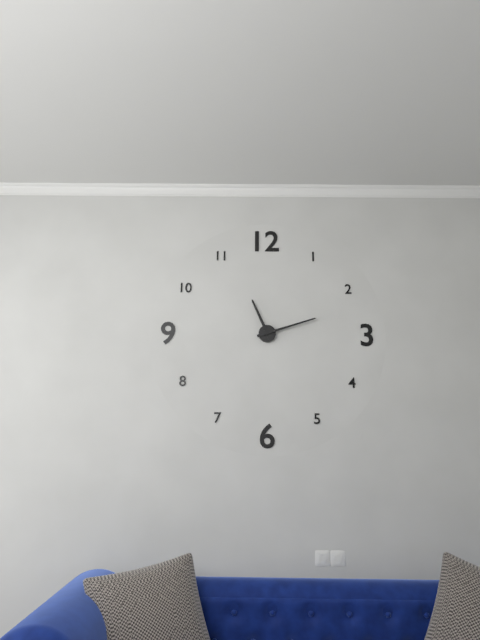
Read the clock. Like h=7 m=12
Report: h=11 m=12
